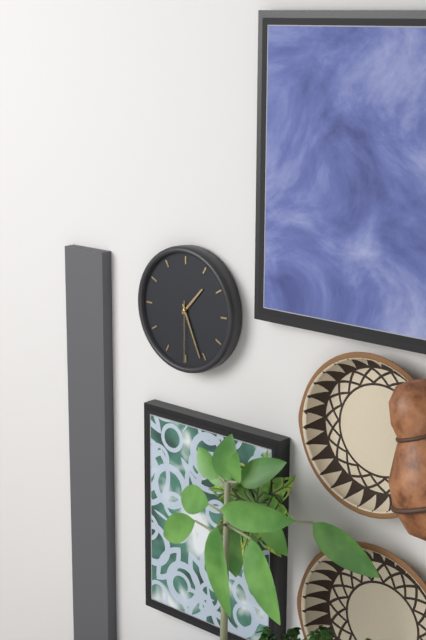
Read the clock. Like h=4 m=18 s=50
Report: h=1 m=26 s=30
